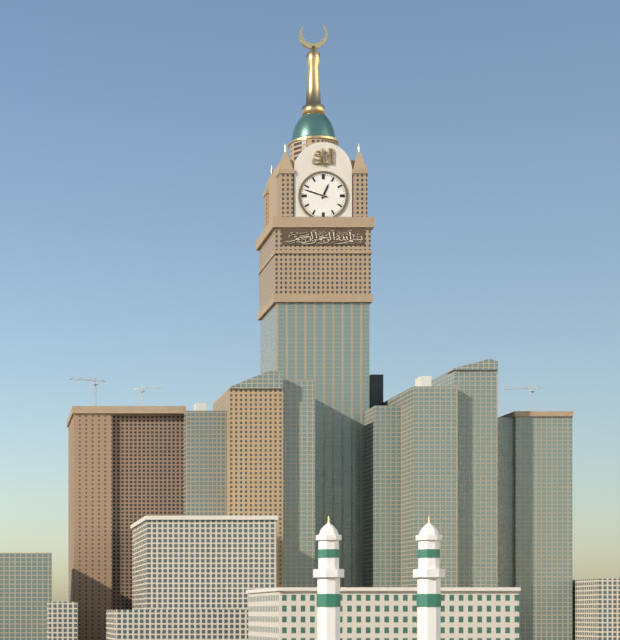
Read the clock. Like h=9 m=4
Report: h=12 m=48
